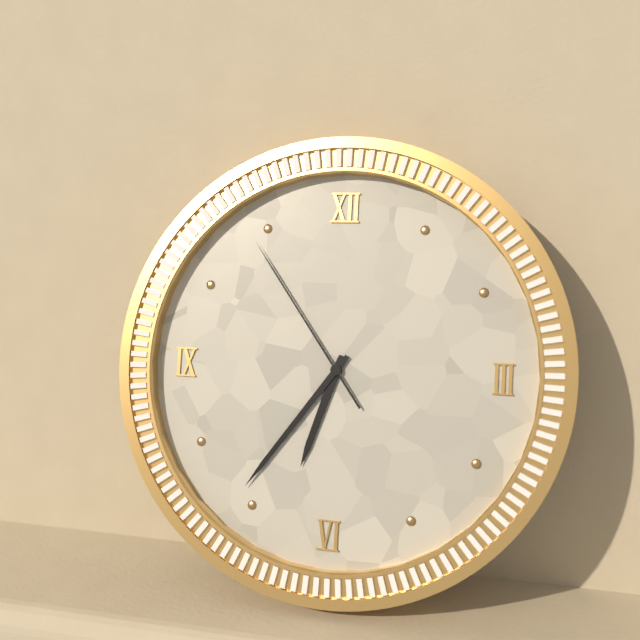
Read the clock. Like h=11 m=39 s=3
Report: h=6 m=36 s=54
